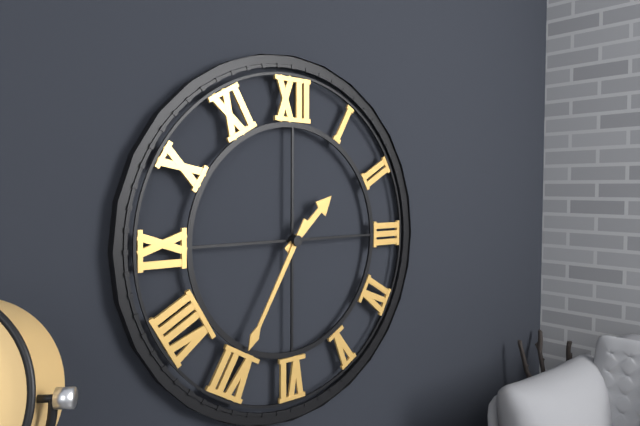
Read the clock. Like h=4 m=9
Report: h=1 m=35
